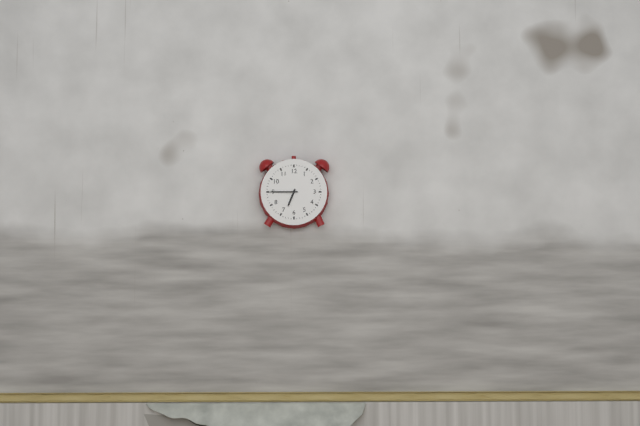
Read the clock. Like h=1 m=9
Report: h=6 m=45
